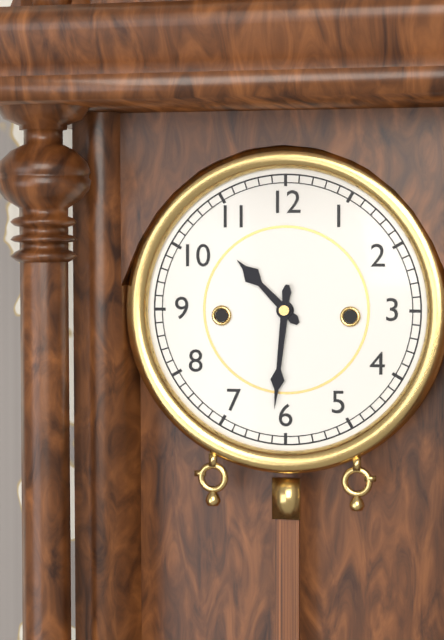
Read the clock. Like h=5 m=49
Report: h=10 m=31
